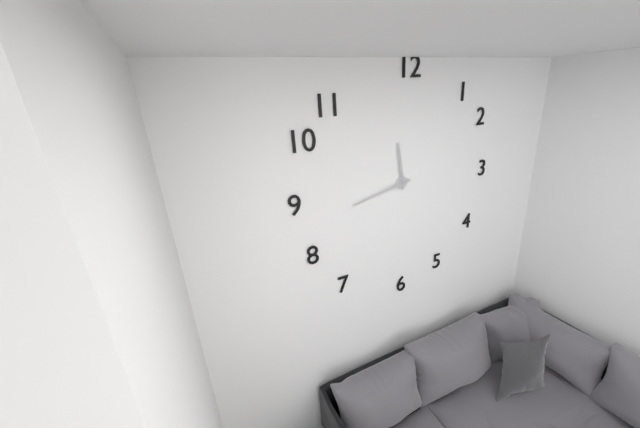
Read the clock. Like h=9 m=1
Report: h=11 m=43
